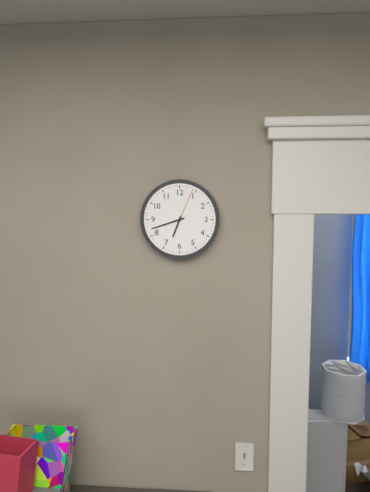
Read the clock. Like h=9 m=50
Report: h=6 m=42
